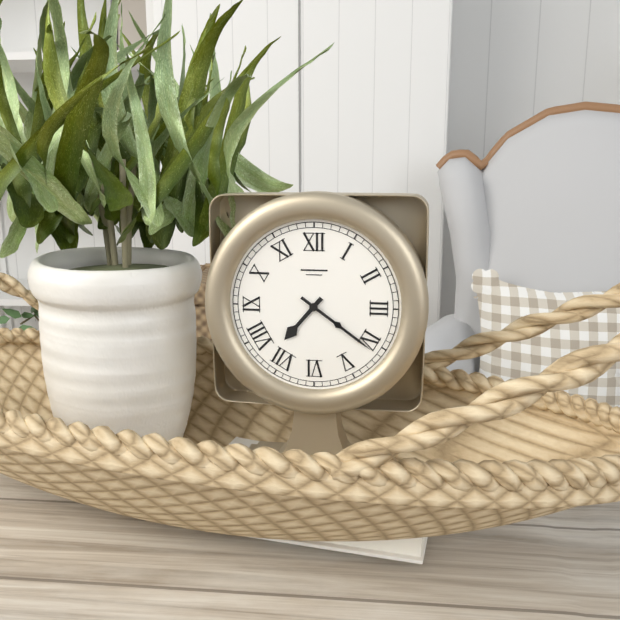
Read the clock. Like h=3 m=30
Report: h=7 m=21
